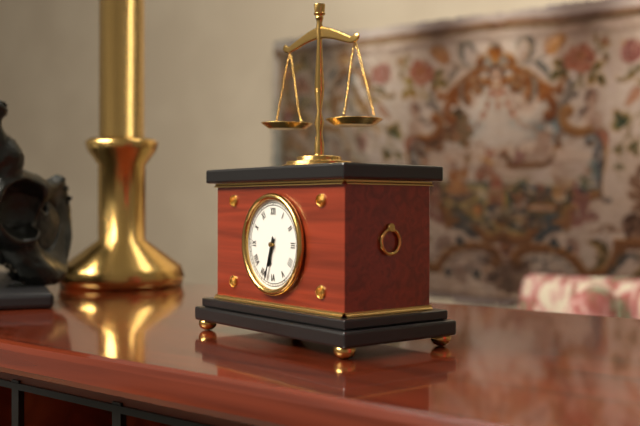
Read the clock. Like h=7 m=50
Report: h=6 m=33
